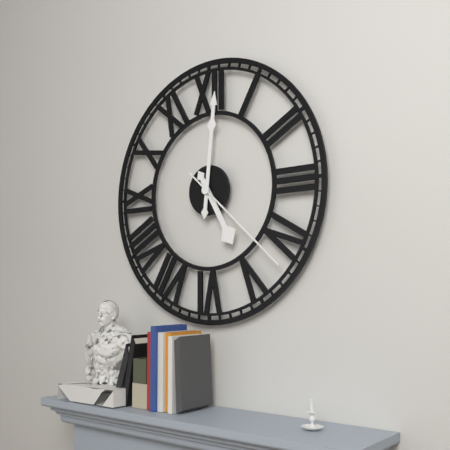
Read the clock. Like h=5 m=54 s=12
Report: h=5 m=1 s=22
